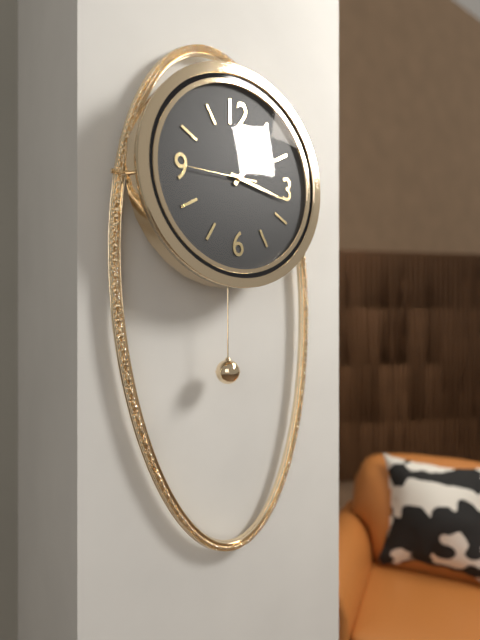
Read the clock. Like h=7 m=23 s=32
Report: h=1 m=17 s=45
